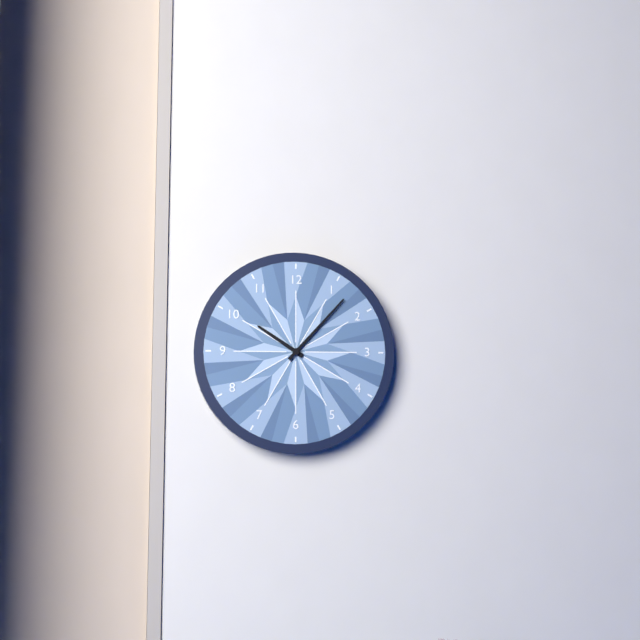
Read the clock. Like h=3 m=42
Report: h=10 m=7
